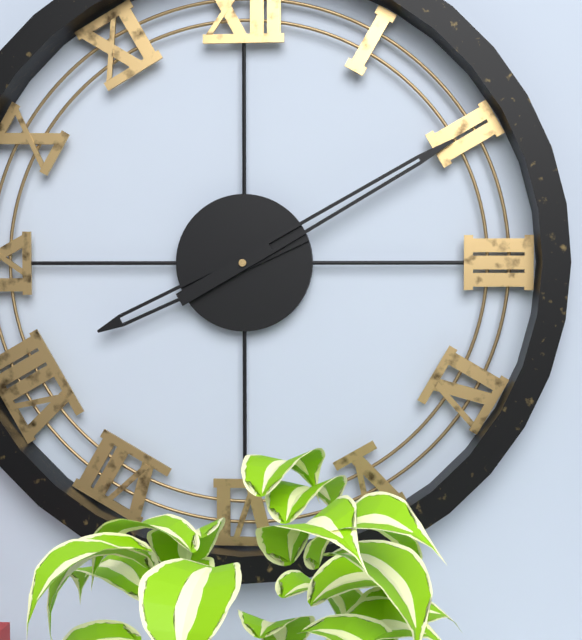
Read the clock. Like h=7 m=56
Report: h=8 m=10
